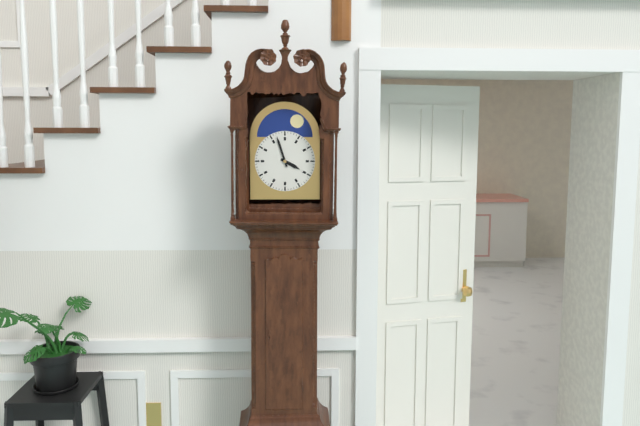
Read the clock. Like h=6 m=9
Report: h=3 m=57
